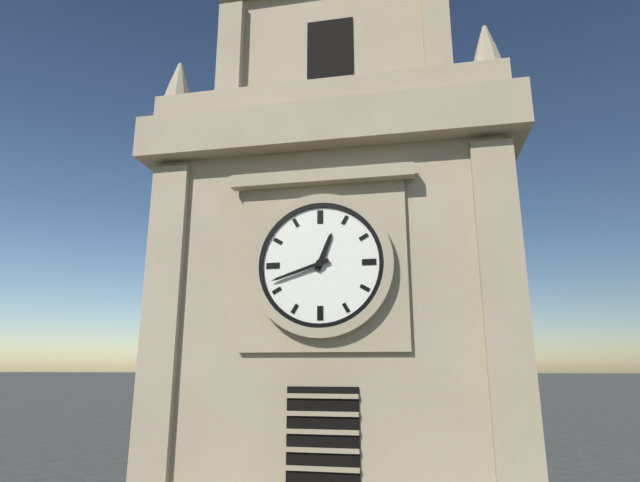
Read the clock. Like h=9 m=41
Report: h=12 m=42
